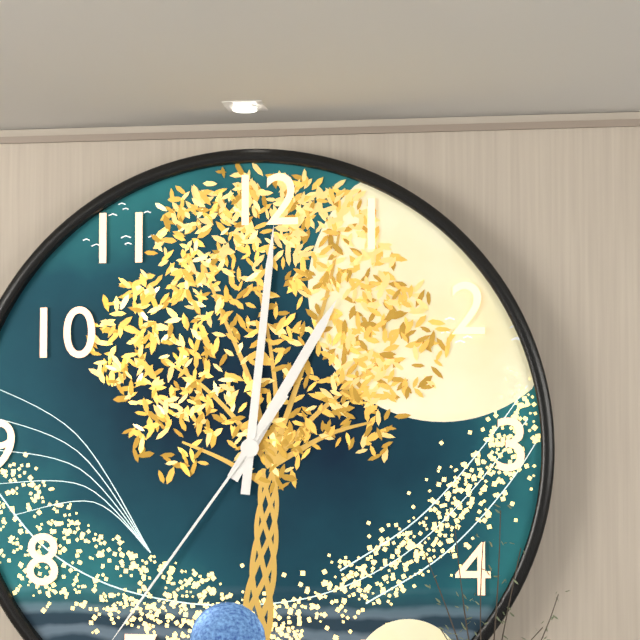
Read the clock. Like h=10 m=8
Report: h=1 m=1
